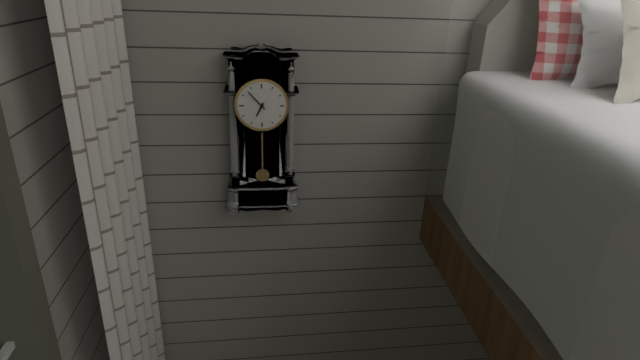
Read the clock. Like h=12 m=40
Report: h=6 m=53
